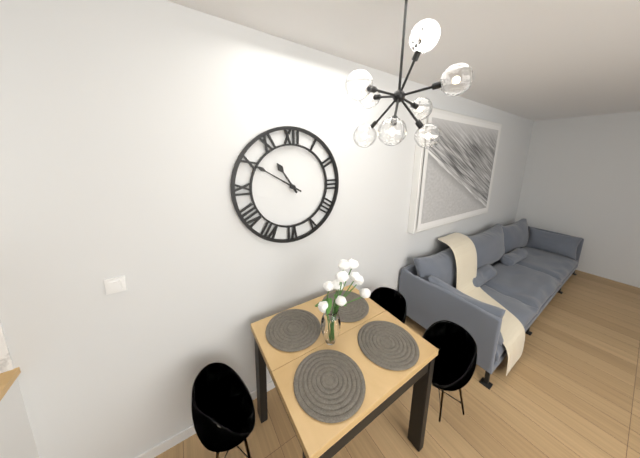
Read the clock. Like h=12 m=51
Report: h=10 m=50
